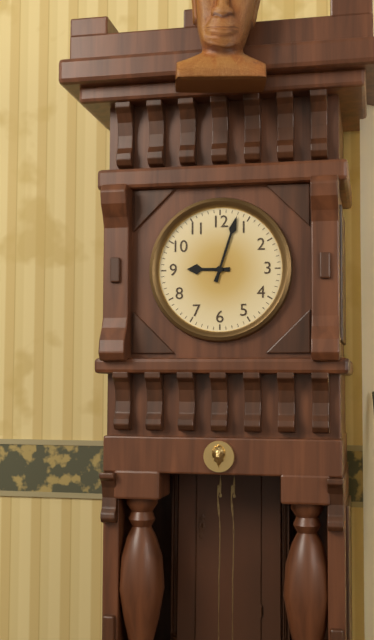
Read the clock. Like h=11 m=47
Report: h=9 m=3
